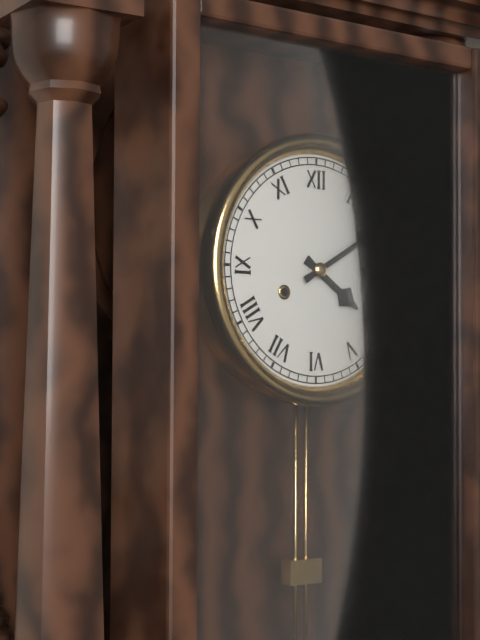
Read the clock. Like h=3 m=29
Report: h=4 m=10
